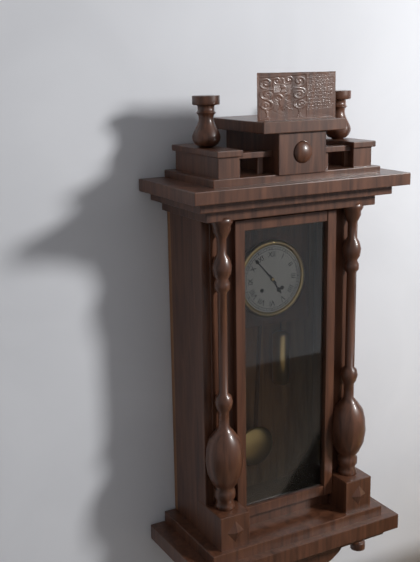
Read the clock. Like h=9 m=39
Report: h=4 m=53
